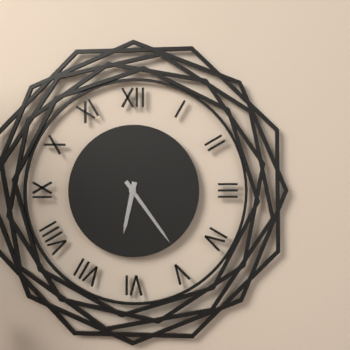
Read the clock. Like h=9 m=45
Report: h=6 m=24
